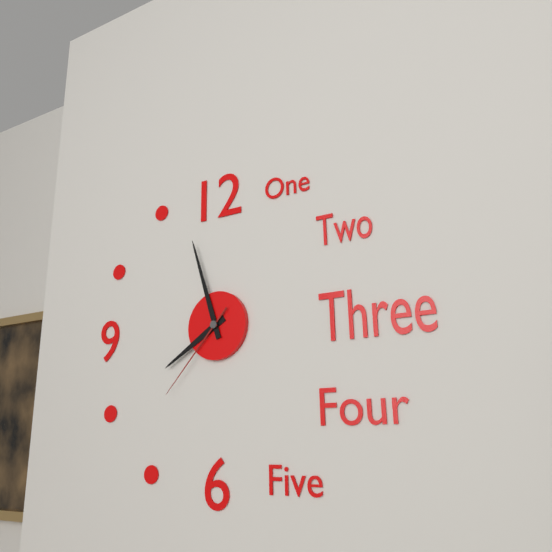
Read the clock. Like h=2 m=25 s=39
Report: h=7 m=57 s=37
